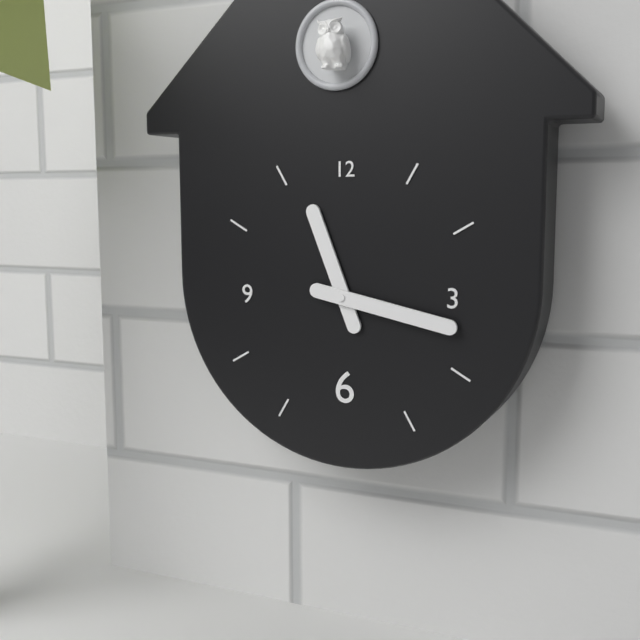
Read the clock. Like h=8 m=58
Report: h=11 m=17
